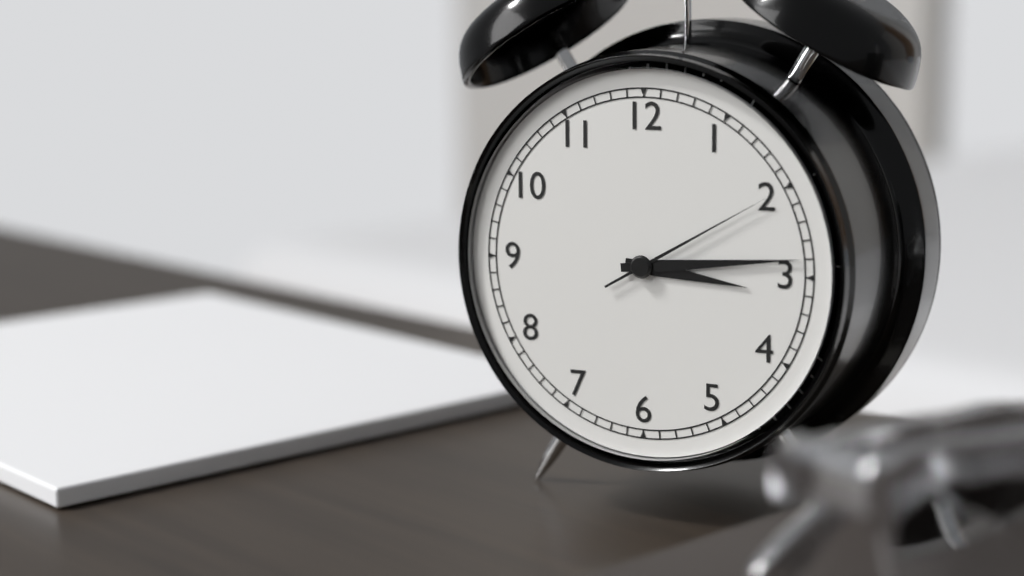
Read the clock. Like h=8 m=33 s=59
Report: h=3 m=14 s=10
